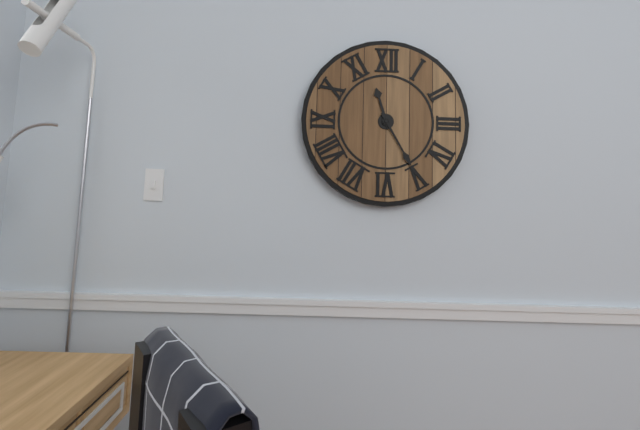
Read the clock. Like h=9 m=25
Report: h=11 m=25
